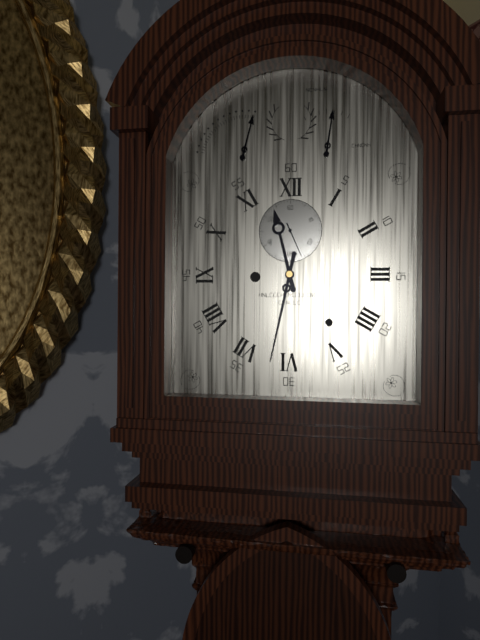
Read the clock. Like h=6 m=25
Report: h=11 m=32
